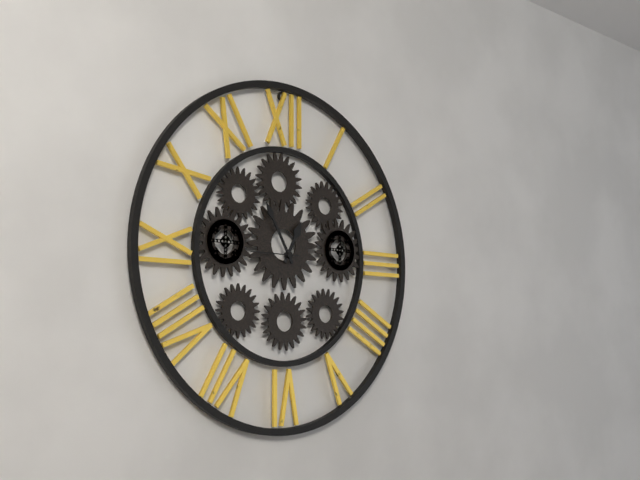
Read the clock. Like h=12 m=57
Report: h=12 m=55
